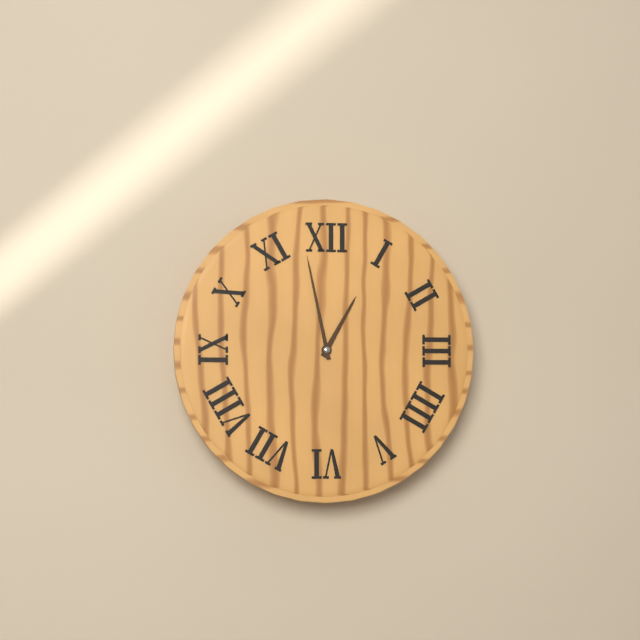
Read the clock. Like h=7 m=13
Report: h=12 m=58
